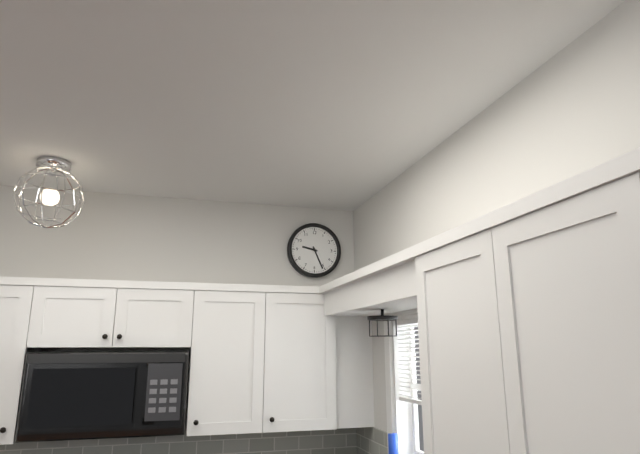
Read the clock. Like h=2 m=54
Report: h=9 m=26
